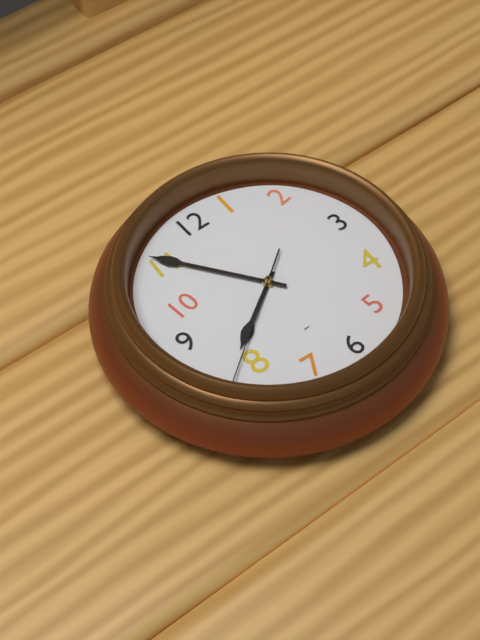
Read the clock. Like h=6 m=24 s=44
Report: h=7 m=54 s=39
